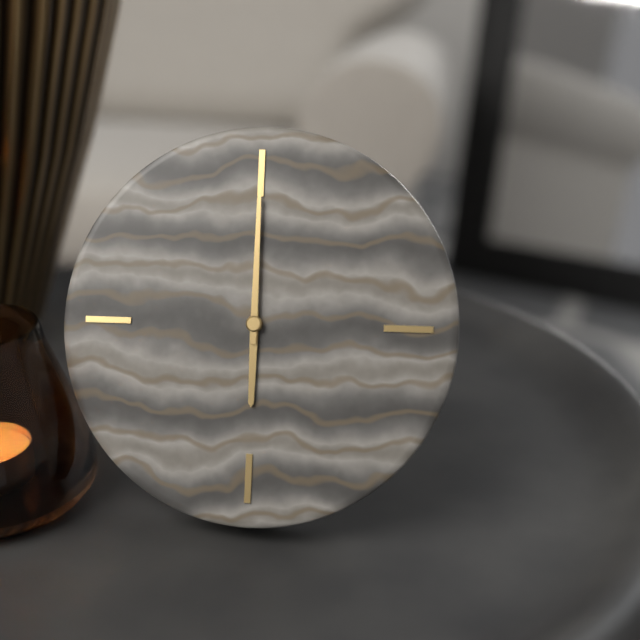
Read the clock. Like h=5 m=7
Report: h=6 m=0
